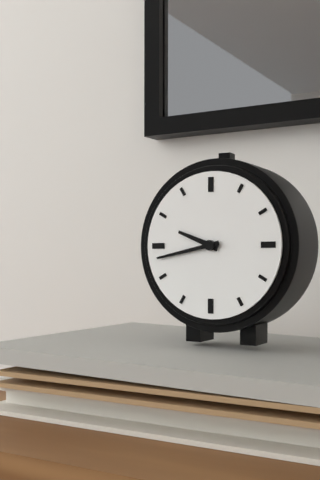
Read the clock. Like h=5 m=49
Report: h=9 m=43
